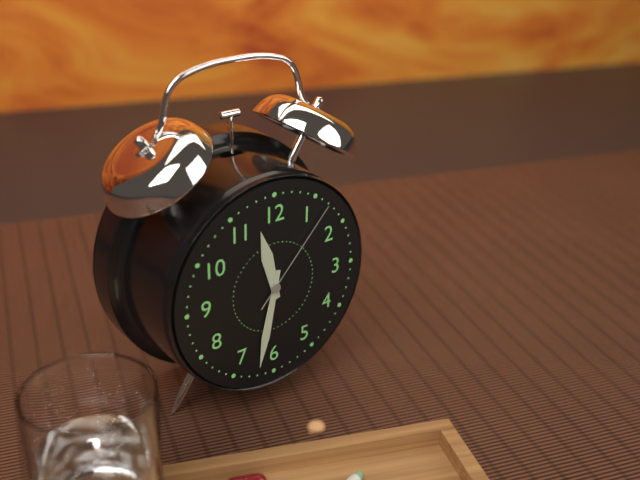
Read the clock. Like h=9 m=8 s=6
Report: h=11 m=32 s=7
